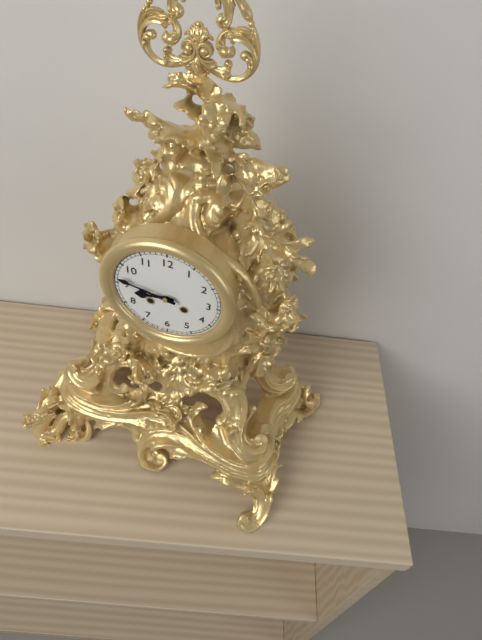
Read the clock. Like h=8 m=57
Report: h=8 m=47
